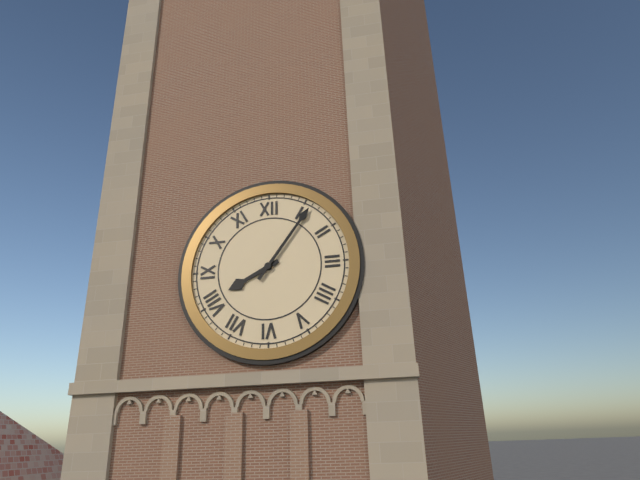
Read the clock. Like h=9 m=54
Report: h=8 m=6
